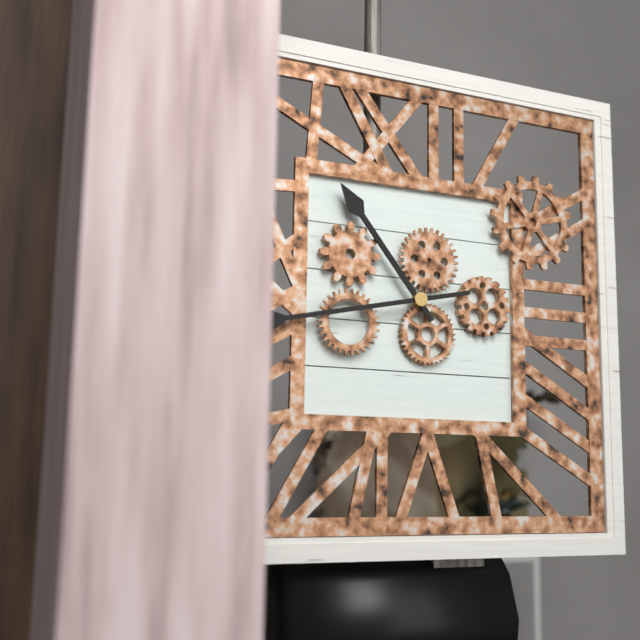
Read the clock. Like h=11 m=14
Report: h=10 m=43
